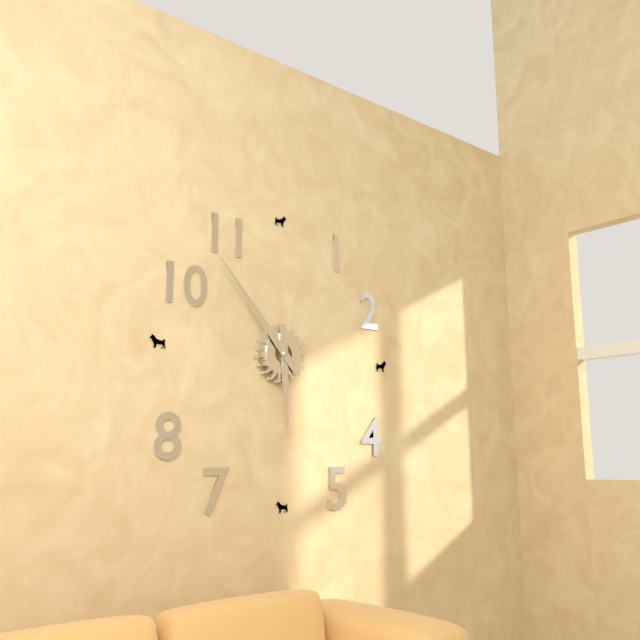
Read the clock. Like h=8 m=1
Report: h=5 m=53
